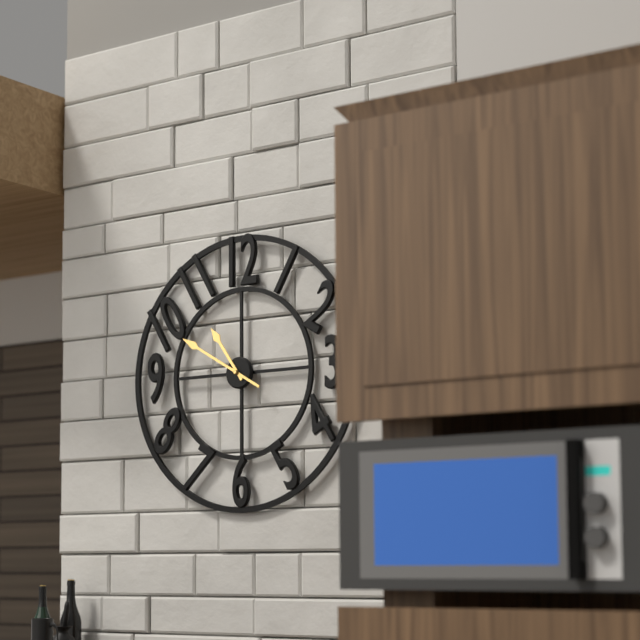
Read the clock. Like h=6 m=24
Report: h=10 m=50
